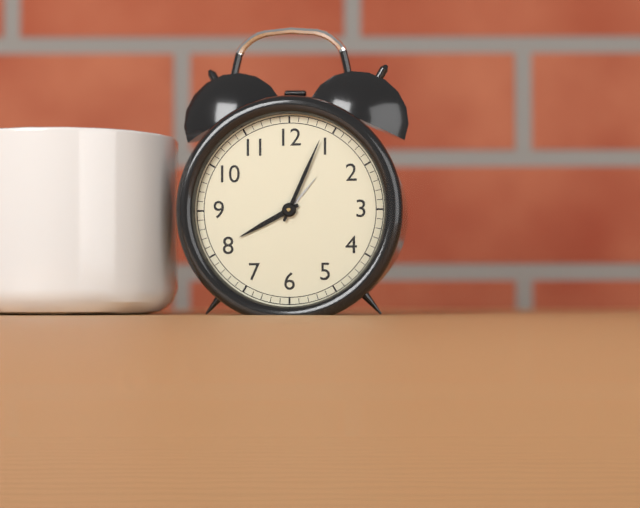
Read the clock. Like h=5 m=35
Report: h=8 m=4
